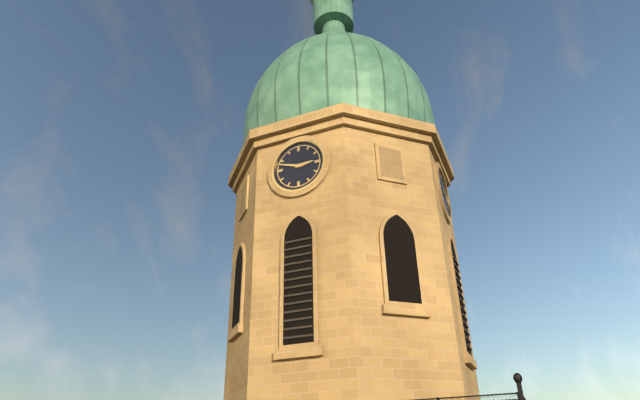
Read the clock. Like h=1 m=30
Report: h=2 m=48
